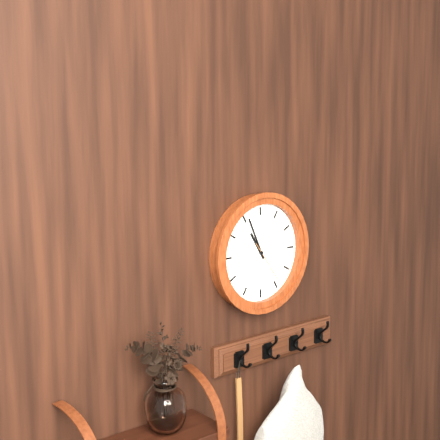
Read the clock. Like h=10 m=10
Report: h=10 m=56
